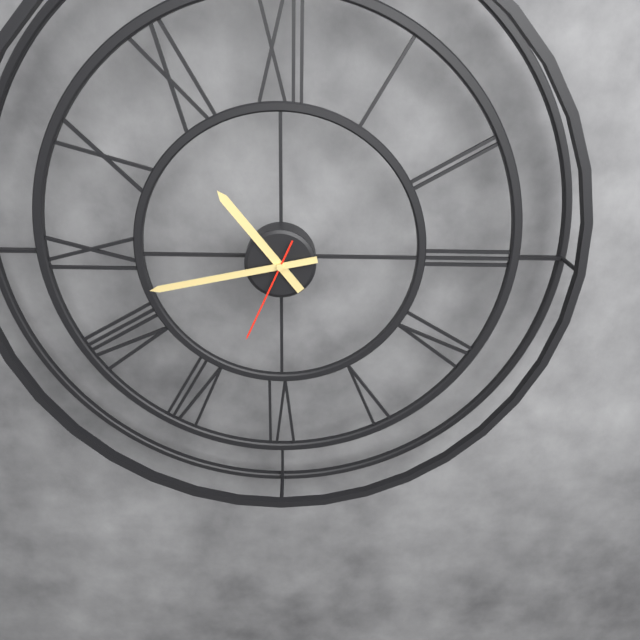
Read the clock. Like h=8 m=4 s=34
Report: h=10 m=43 s=34
